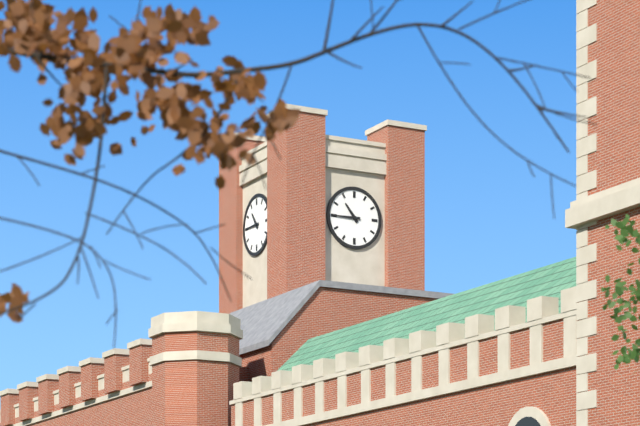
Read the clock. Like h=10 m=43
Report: h=10 m=45
